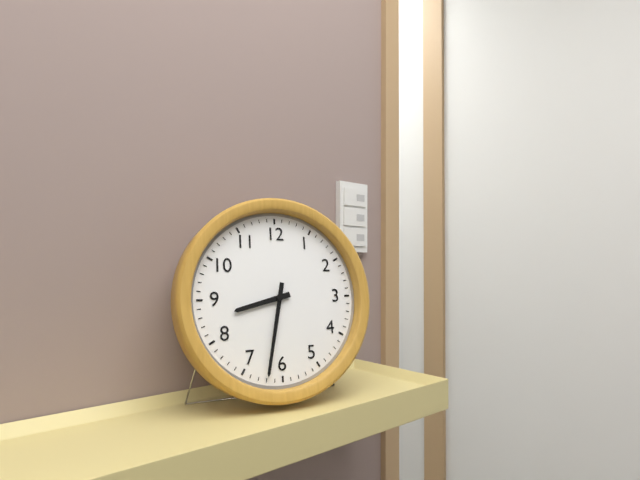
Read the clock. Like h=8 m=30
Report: h=8 m=32
